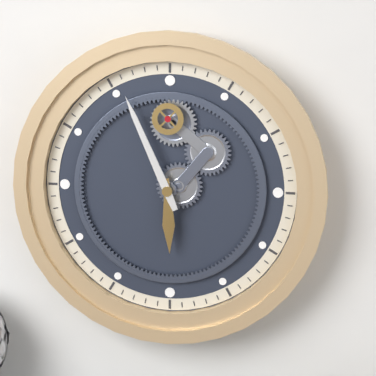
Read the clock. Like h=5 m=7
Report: h=5 m=56
